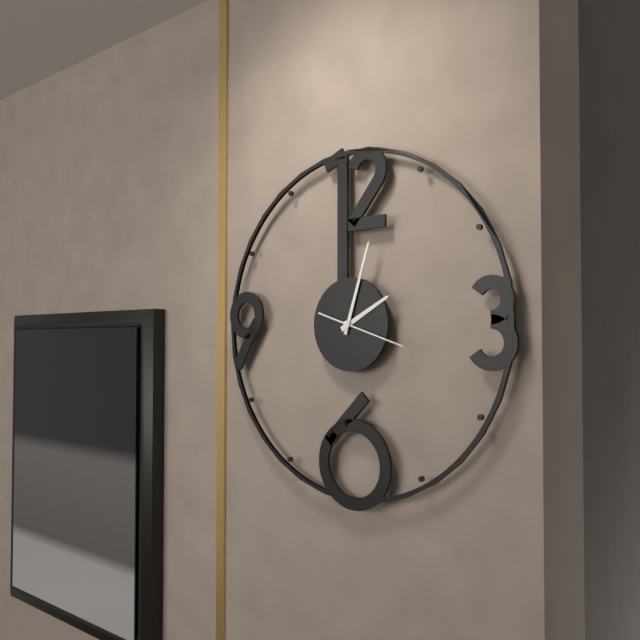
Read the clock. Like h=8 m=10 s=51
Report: h=2 m=3 s=18
